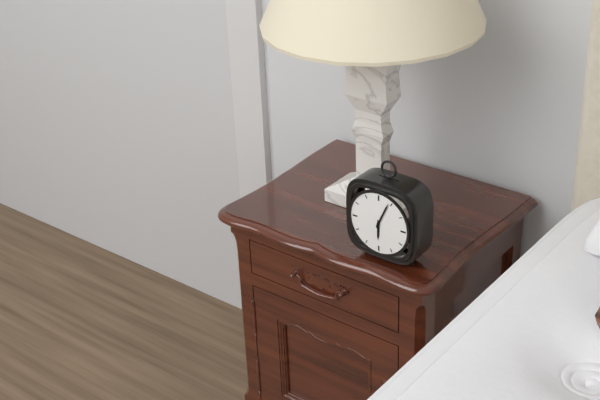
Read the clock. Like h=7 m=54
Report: h=6 m=4
